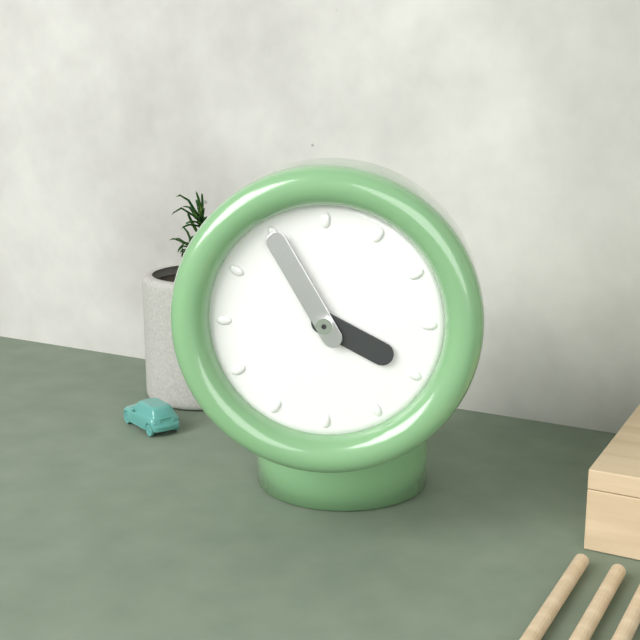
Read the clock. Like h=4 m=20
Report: h=3 m=55
